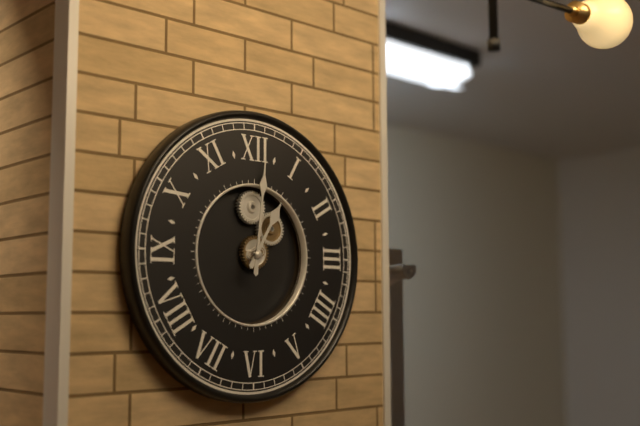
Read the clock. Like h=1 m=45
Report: h=1 m=1
